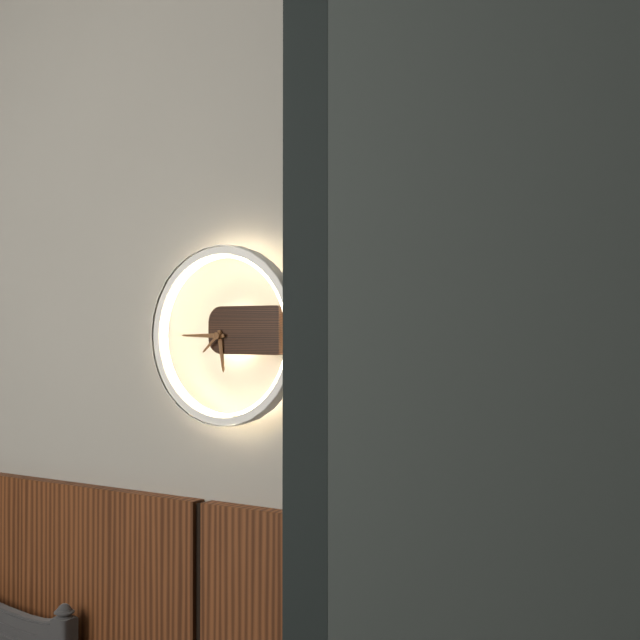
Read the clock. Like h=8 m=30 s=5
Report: h=5 m=45 s=38
